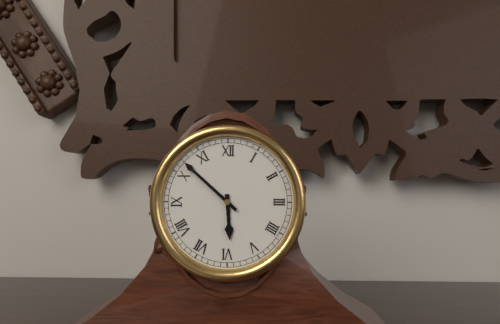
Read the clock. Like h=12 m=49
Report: h=5 m=52
